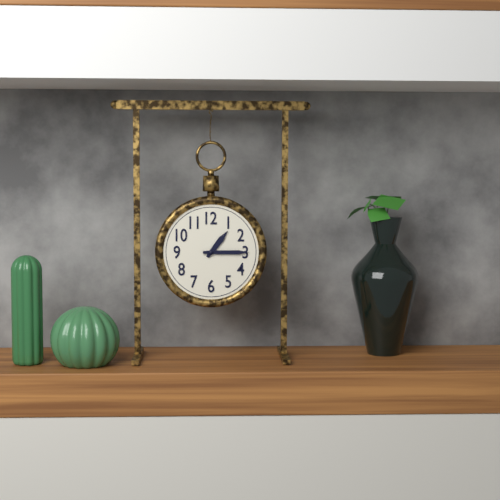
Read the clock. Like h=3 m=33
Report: h=1 m=15
